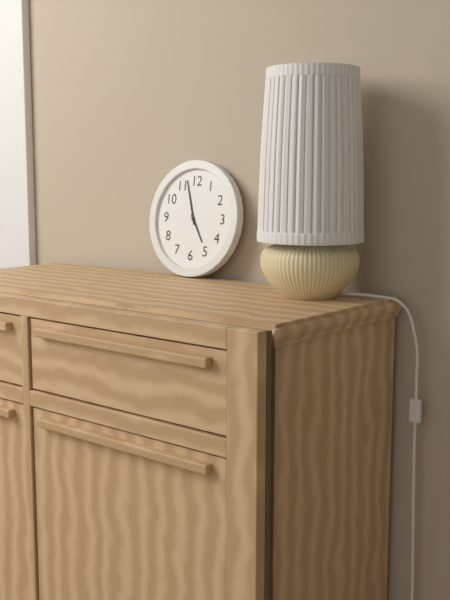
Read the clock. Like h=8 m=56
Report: h=4 m=57
